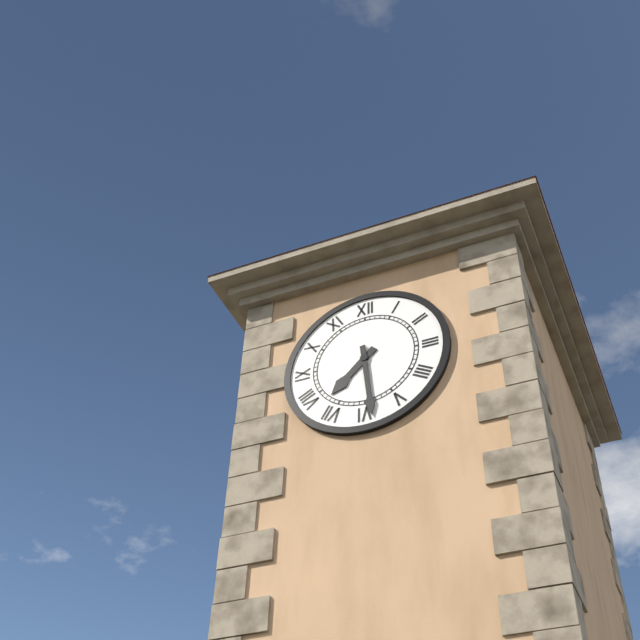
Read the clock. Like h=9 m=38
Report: h=7 m=29
